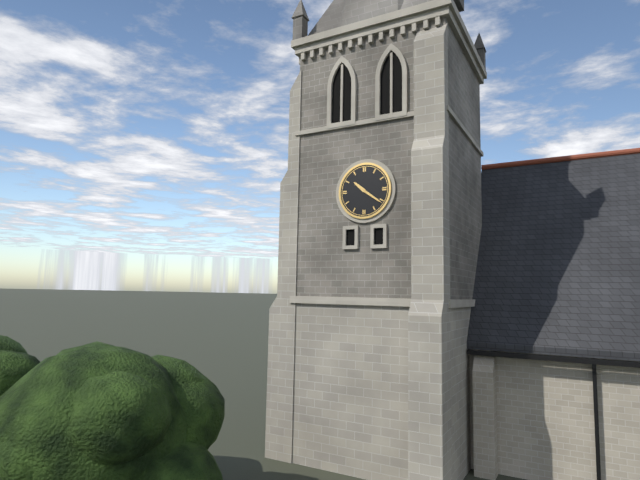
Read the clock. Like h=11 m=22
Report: h=10 m=21
